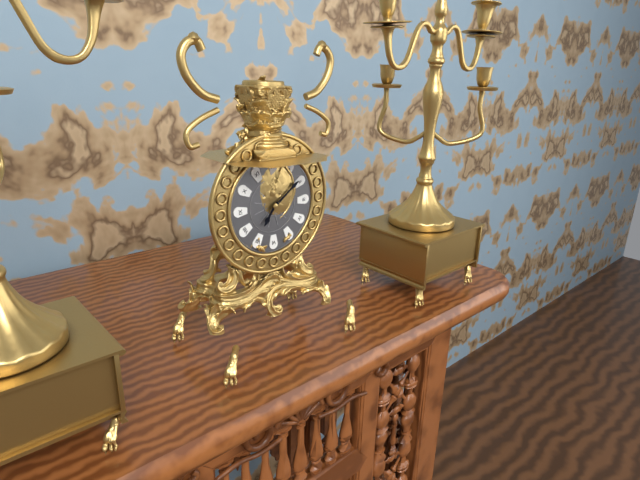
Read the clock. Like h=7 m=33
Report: h=7 m=9
